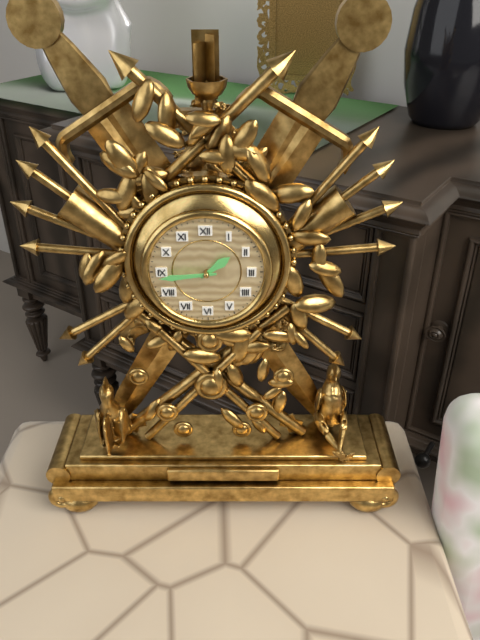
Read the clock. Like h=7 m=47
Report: h=1 m=44
